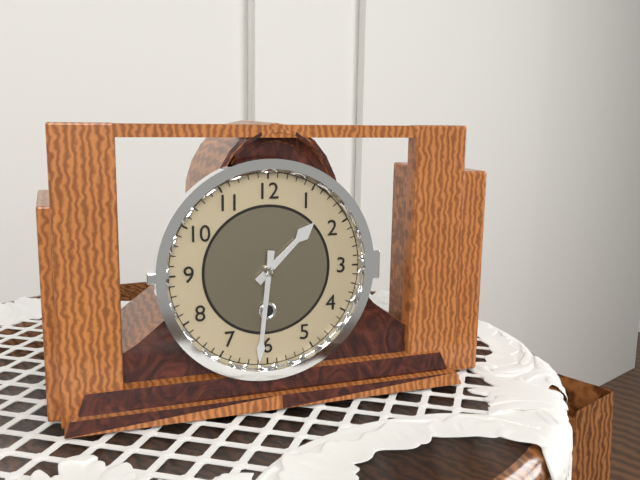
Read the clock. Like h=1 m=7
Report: h=1 m=31
